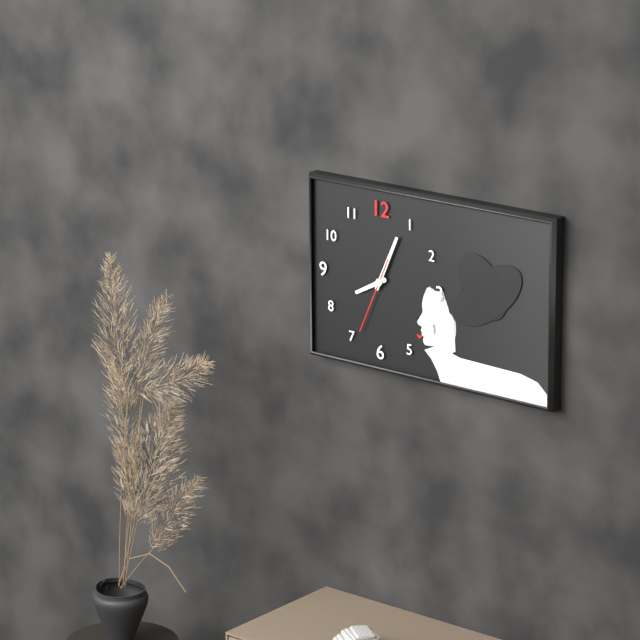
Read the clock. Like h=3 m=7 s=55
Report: h=8 m=4 s=34
